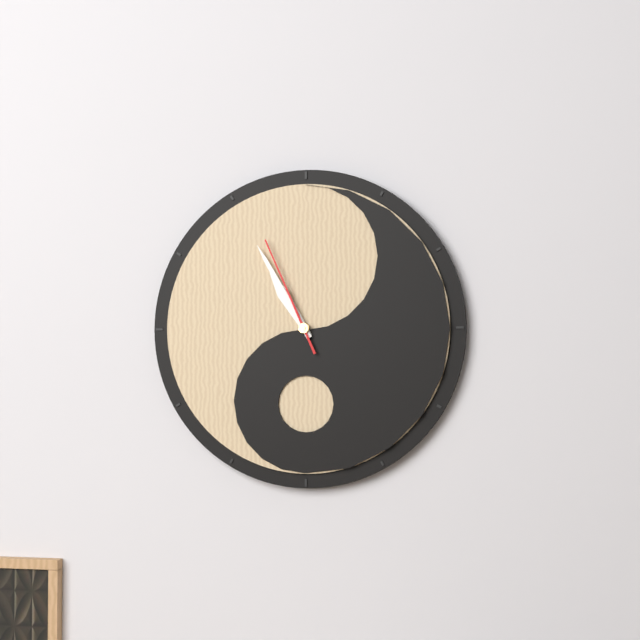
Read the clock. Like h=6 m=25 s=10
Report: h=10 m=55 s=56
